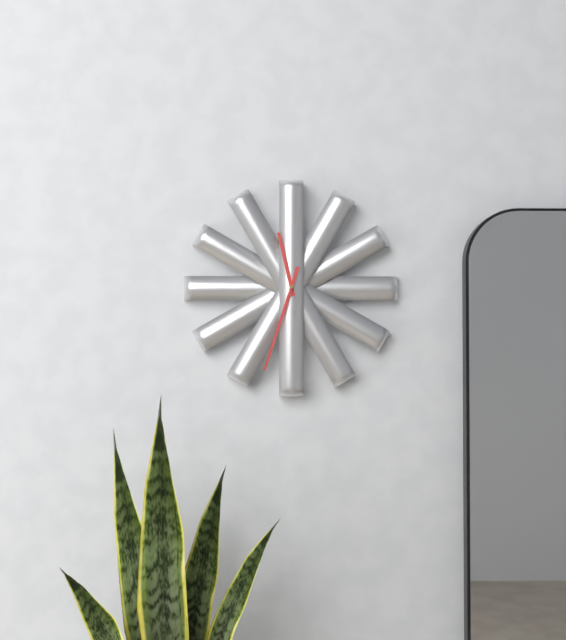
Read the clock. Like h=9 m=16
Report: h=11 m=33
